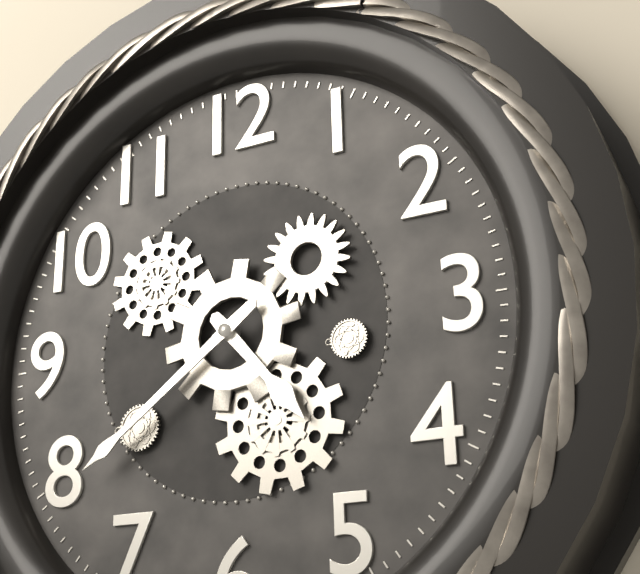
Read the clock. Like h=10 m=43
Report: h=4 m=39
